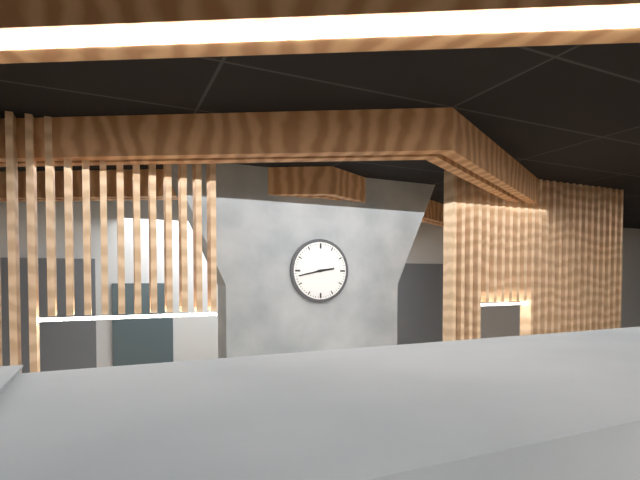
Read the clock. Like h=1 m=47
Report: h=2 m=43
